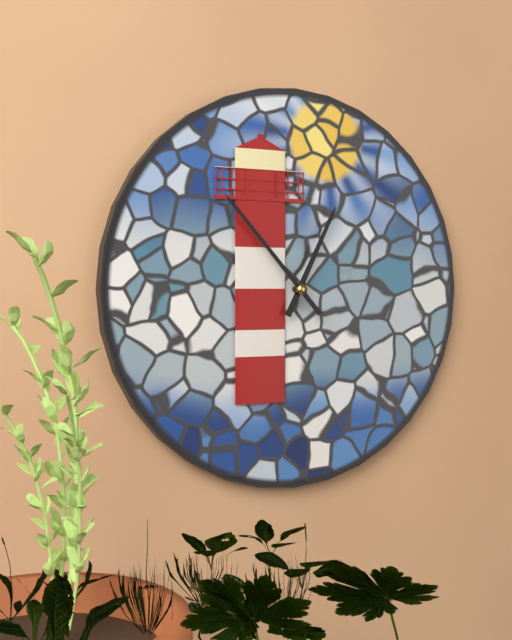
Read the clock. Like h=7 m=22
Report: h=12 m=53
